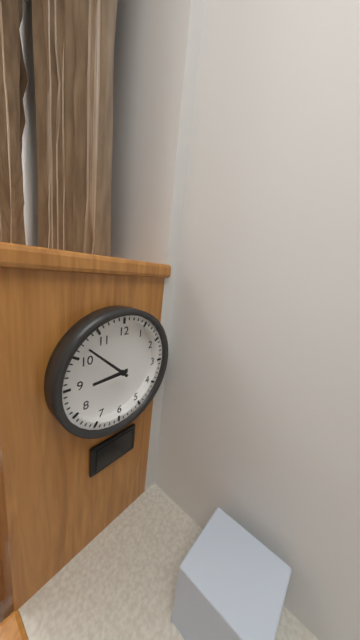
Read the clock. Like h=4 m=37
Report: h=8 m=52
